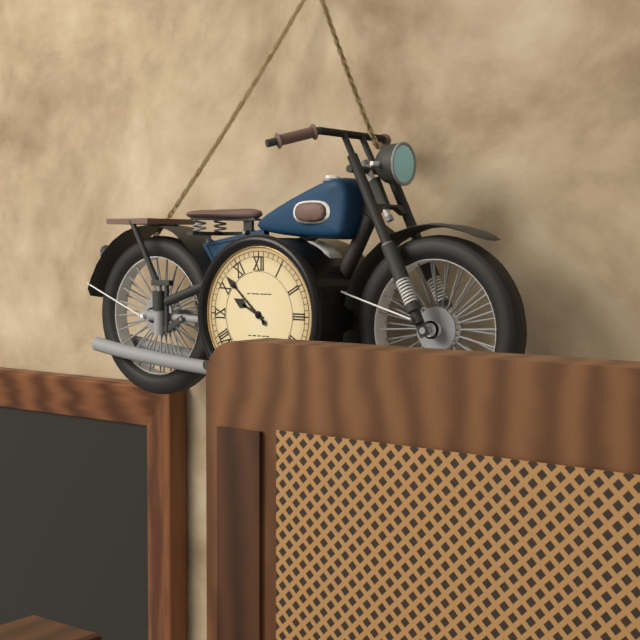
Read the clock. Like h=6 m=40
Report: h=9 m=52
